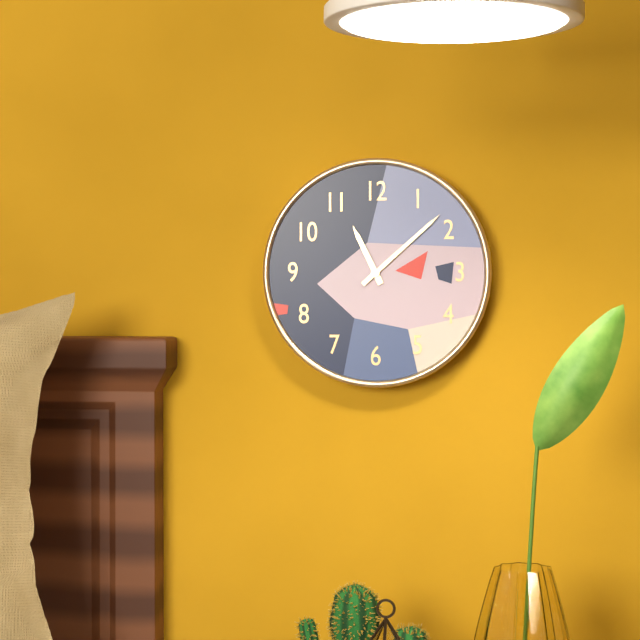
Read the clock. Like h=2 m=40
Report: h=11 m=8
